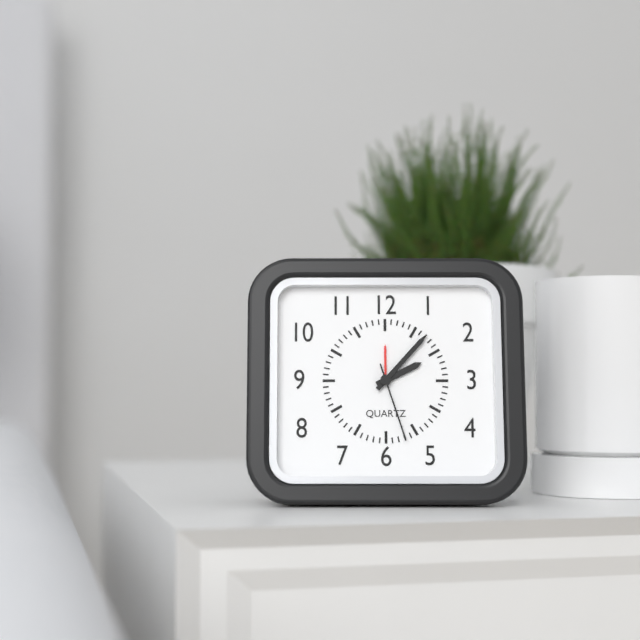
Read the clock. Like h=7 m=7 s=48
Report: h=2 m=7 s=27
